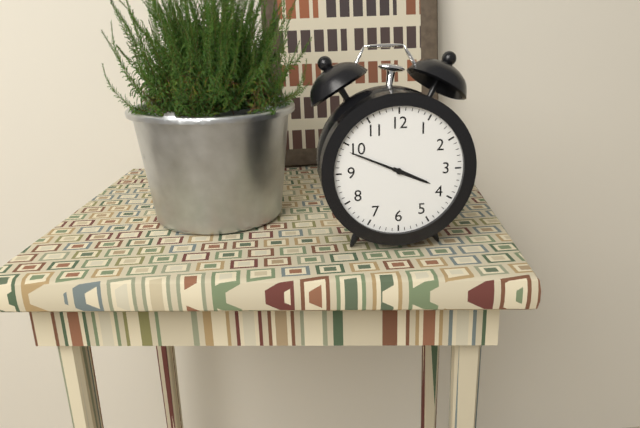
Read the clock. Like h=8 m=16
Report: h=3 m=49
